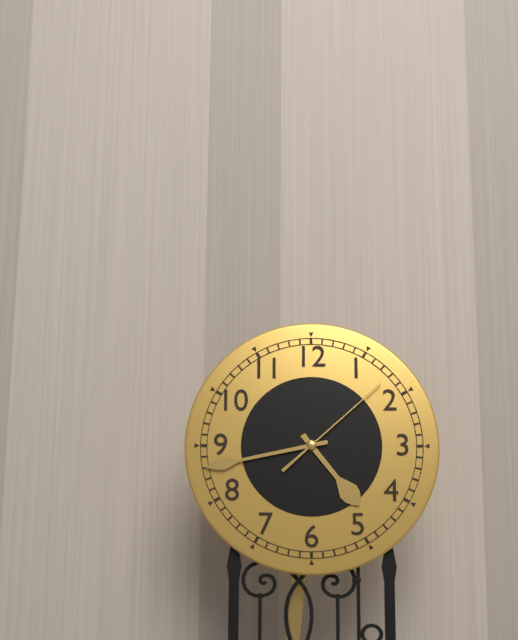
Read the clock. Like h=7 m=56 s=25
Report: h=4 m=43 s=8
